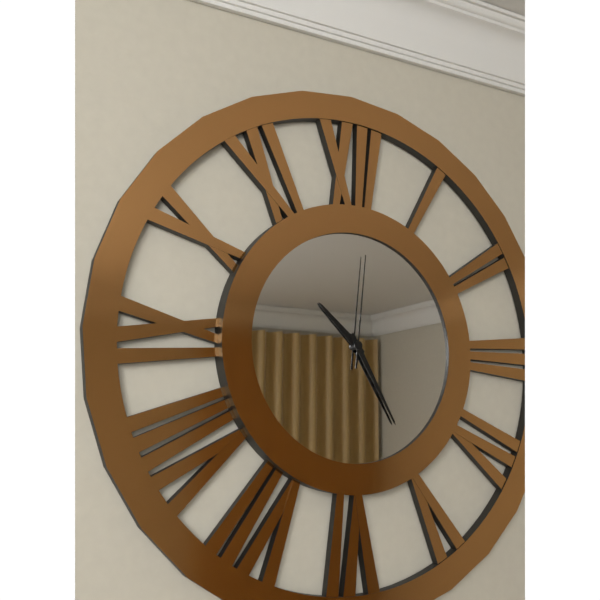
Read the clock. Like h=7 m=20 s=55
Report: h=10 m=25 s=1
